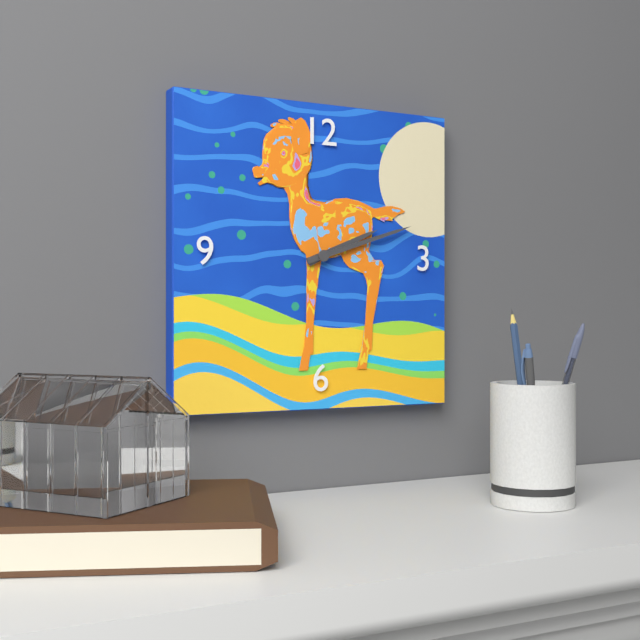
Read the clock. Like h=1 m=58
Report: h=2 m=12
